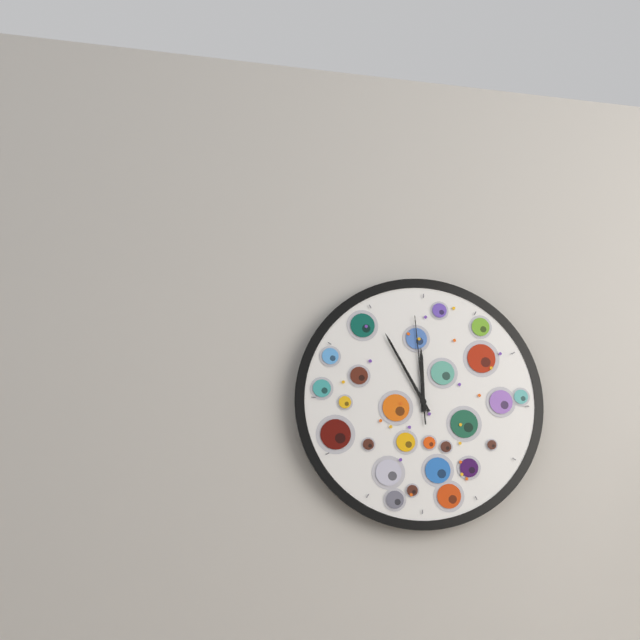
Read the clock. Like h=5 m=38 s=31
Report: h=11 m=55 s=59
